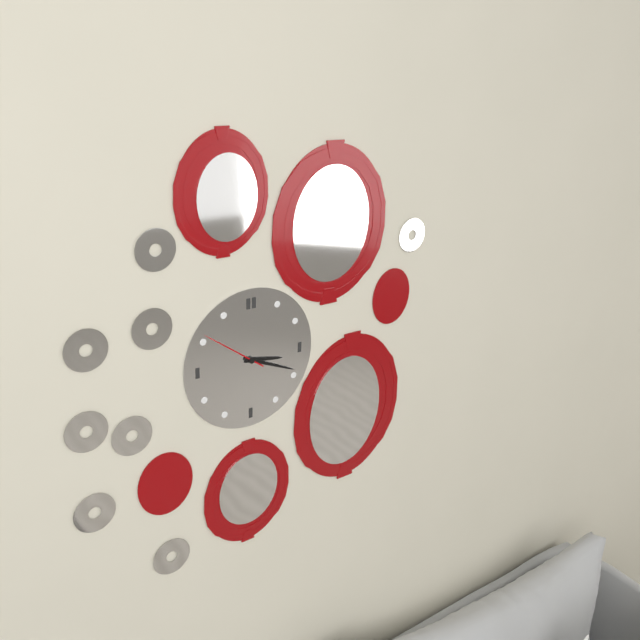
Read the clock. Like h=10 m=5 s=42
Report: h=3 m=19 s=51
